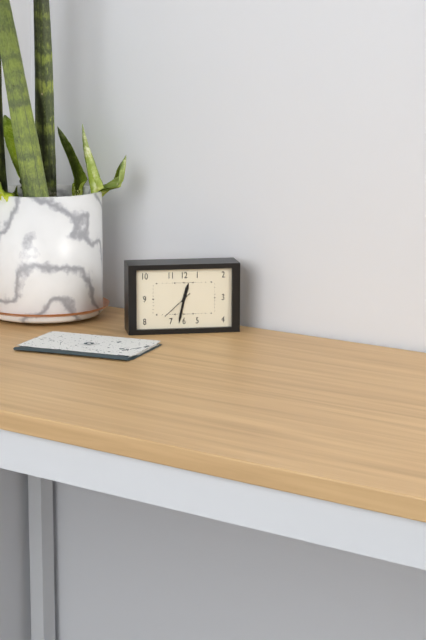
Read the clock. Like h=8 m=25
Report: h=12 m=32
